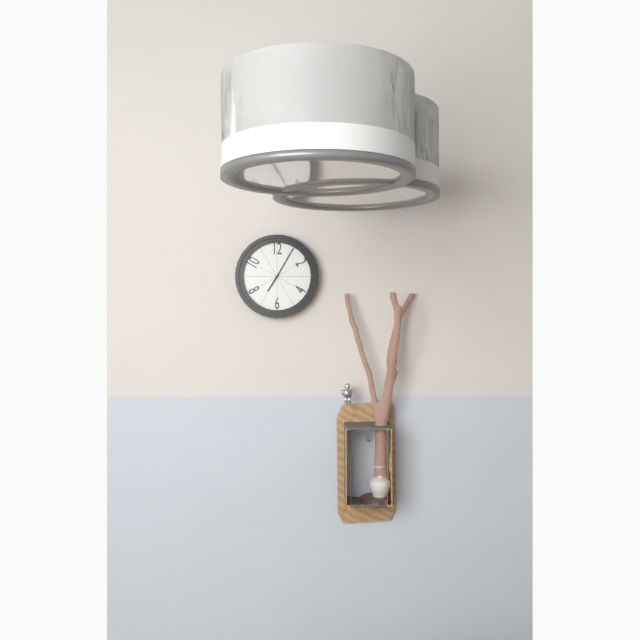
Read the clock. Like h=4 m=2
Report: h=7 m=5
